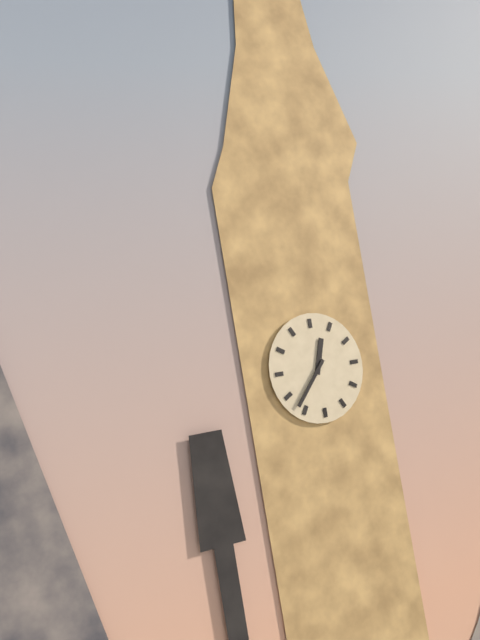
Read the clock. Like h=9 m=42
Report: h=12 m=37
